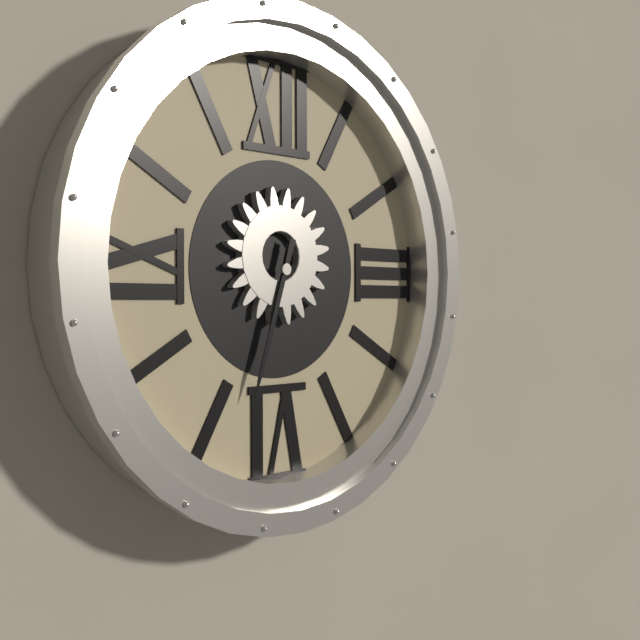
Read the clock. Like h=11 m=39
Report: h=6 m=33
